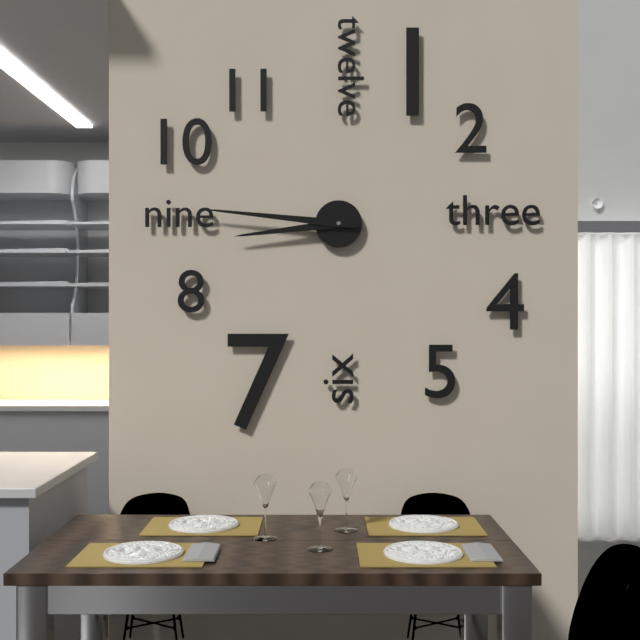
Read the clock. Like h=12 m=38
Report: h=8 m=46
